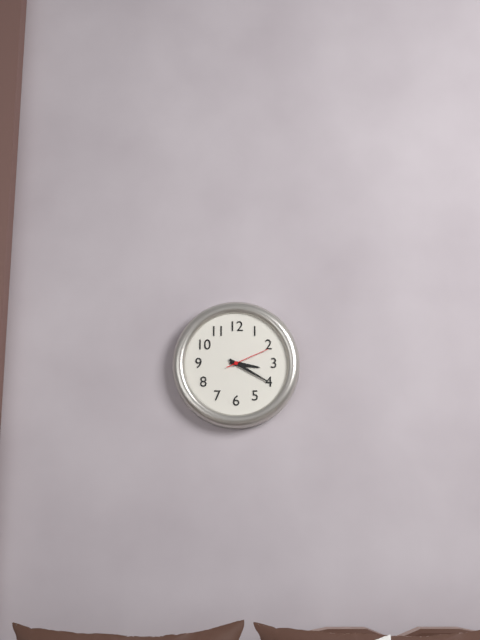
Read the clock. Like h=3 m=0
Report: h=3 m=20
